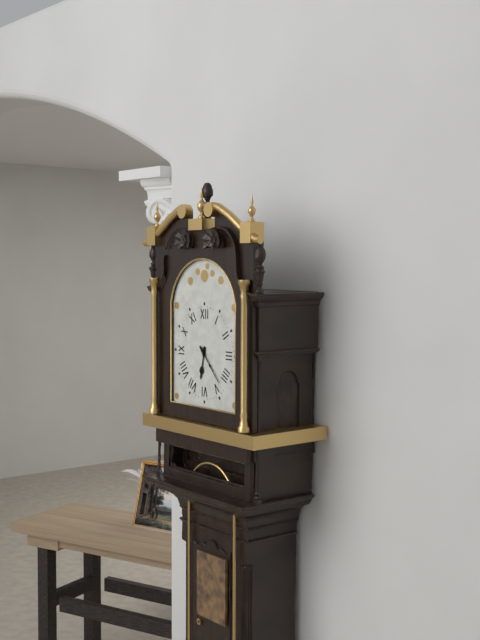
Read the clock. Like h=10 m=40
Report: h=6 m=23
